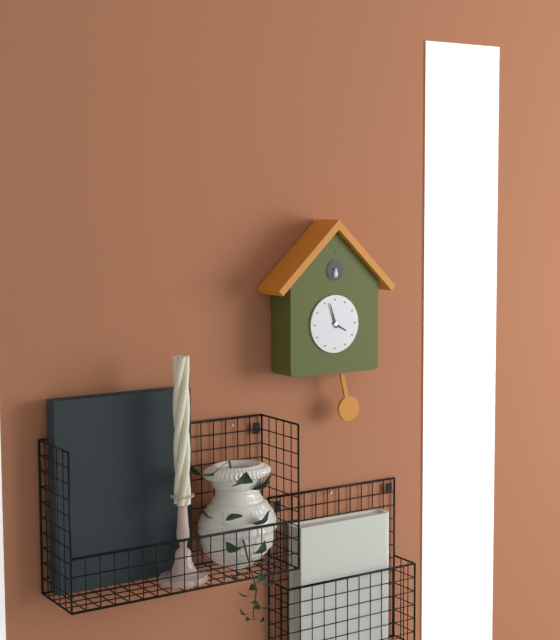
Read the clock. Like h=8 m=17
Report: h=3 m=57
